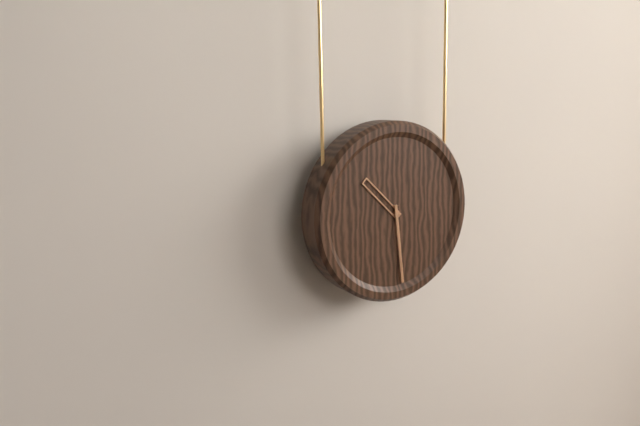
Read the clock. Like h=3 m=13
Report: h=10 m=29
